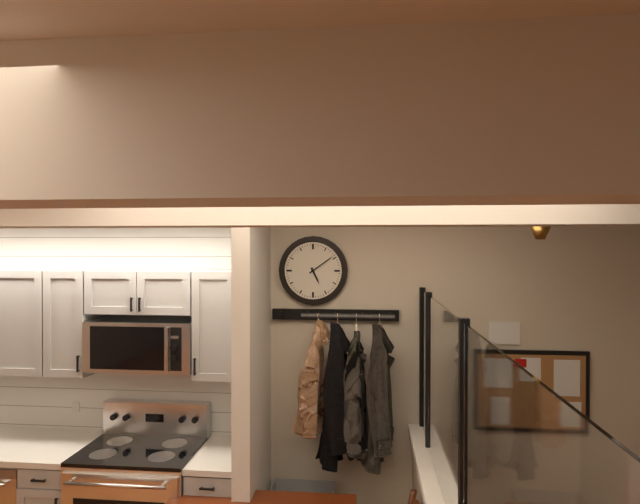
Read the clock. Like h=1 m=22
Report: h=5 m=9
